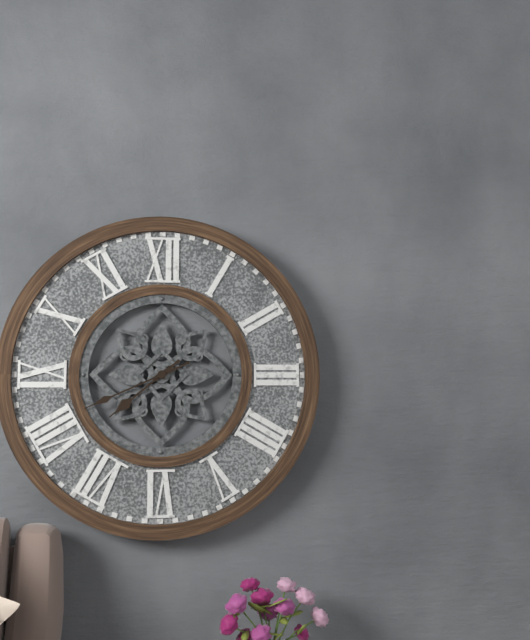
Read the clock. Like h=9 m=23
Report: h=7 m=41
